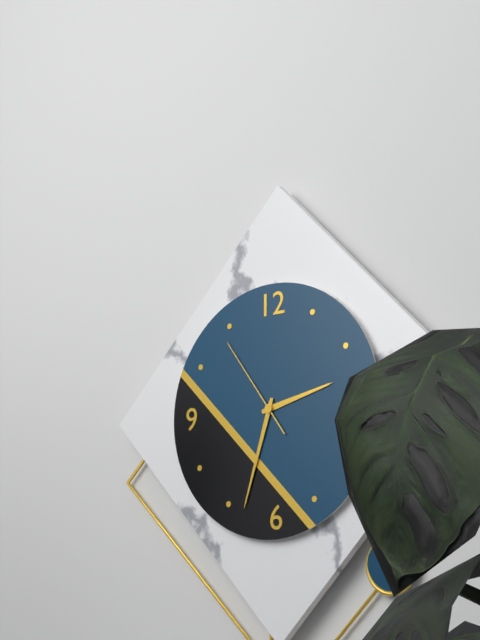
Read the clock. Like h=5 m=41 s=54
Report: h=2 m=33 s=54
